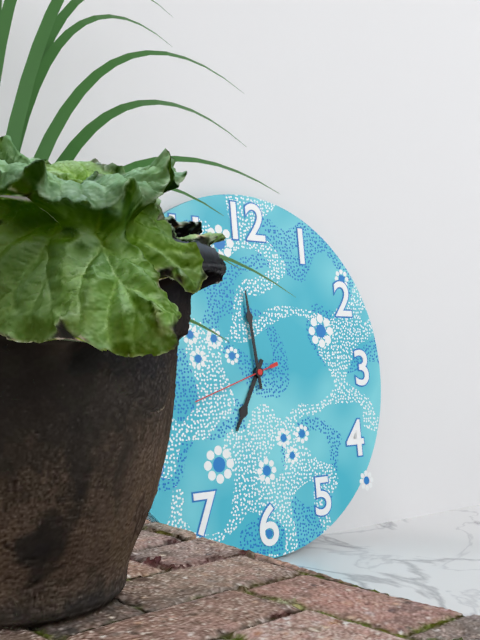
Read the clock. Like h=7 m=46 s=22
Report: h=6 m=59 s=42
